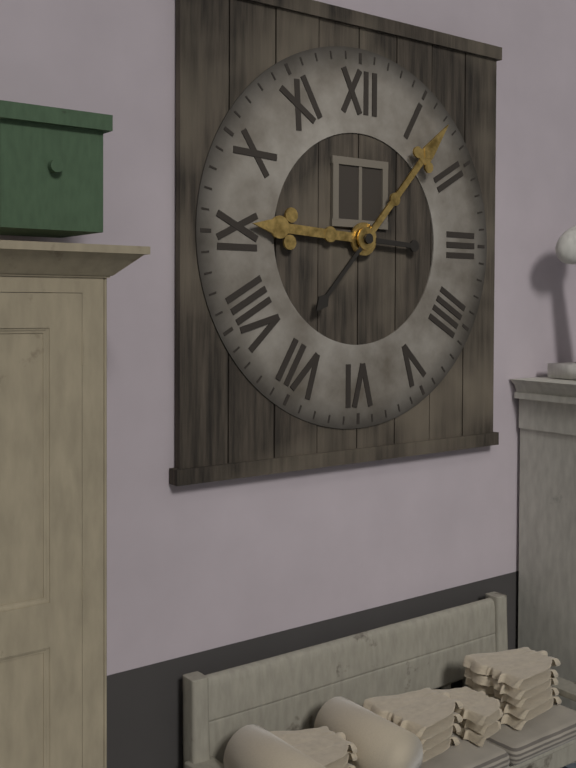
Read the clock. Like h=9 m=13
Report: h=9 m=7
